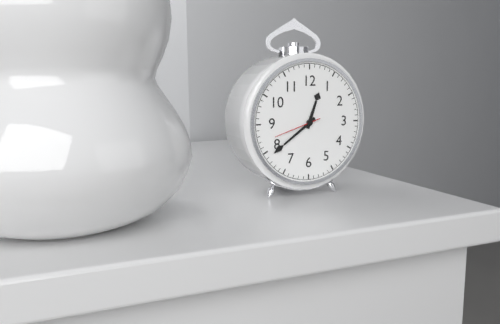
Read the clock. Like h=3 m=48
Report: h=12 m=39
